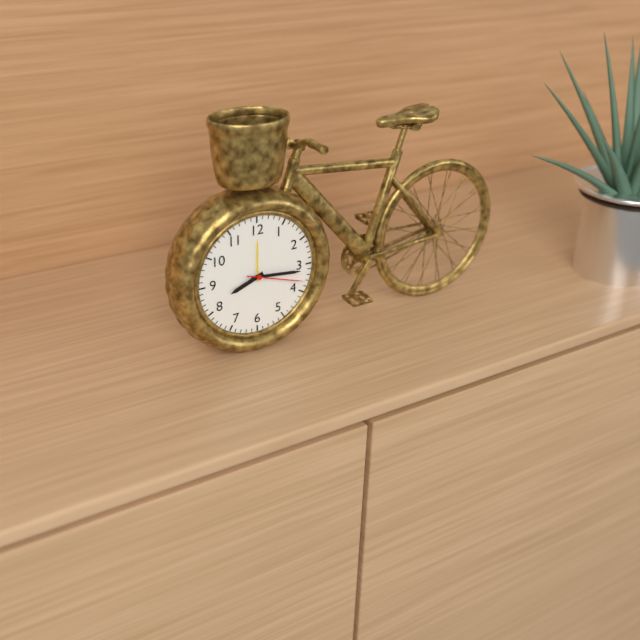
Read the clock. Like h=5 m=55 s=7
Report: h=8 m=16 s=18
